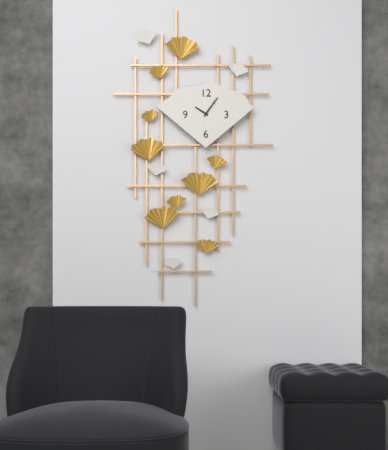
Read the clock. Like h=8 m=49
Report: h=10 m=6
